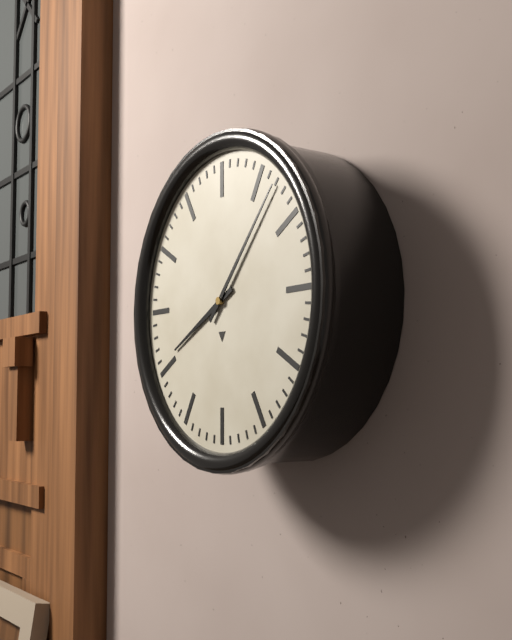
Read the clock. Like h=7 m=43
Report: h=8 m=7
